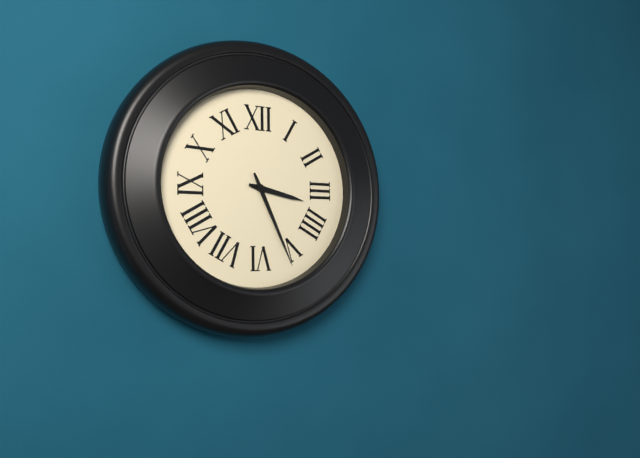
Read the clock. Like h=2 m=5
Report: h=3 m=26
